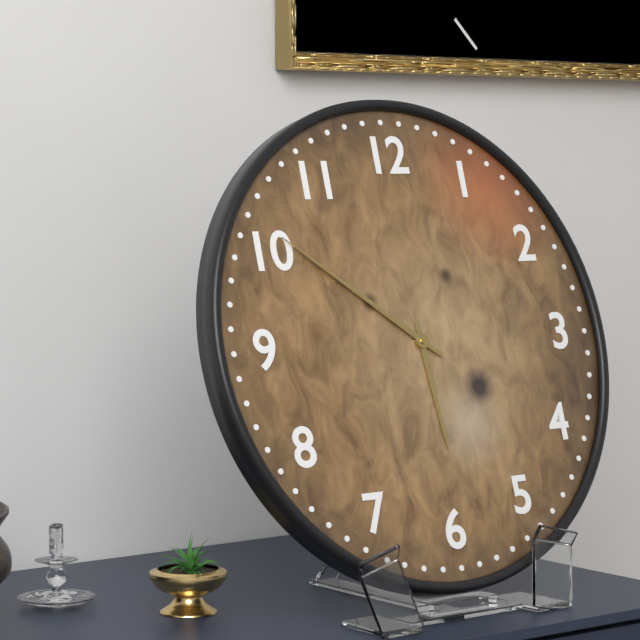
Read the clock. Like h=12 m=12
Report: h=5 m=51
